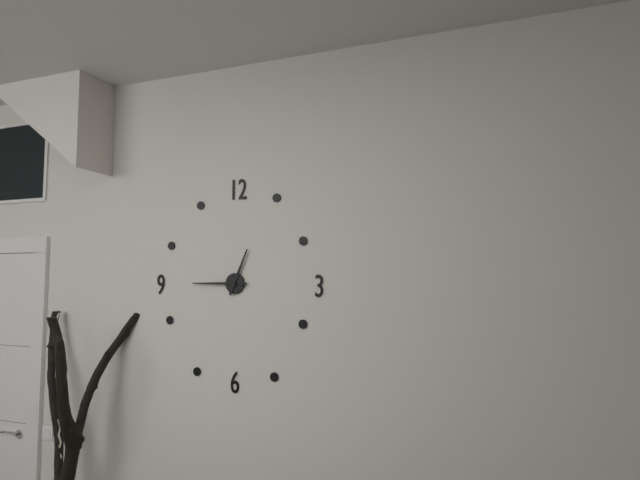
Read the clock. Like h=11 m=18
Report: h=12 m=45
